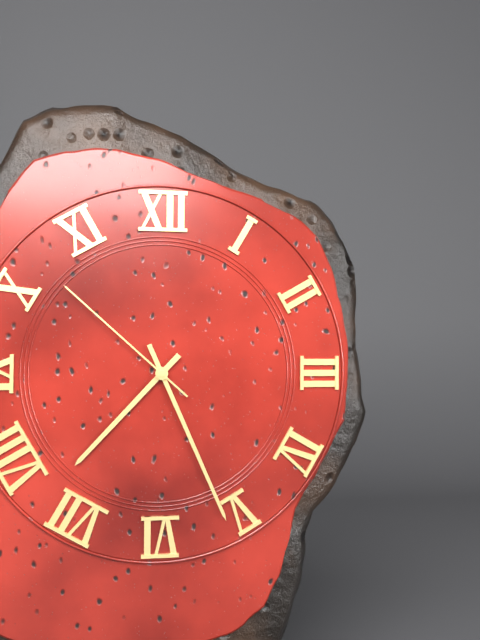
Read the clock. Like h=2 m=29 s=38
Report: h=7 m=26 s=52
